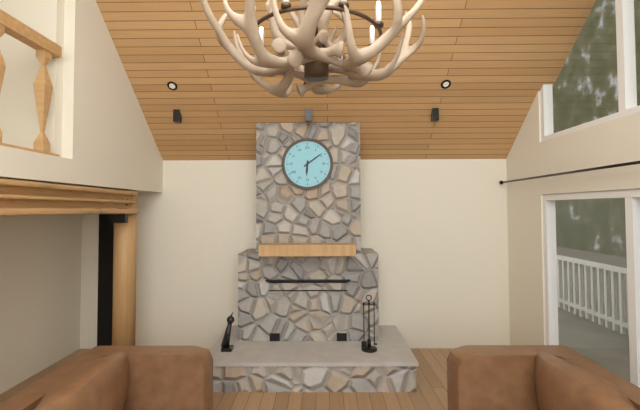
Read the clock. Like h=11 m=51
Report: h=6 m=9
